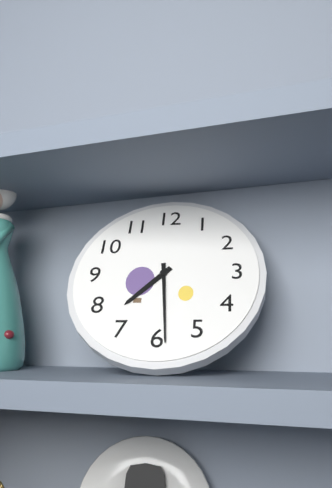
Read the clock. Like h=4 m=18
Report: h=7 m=29
